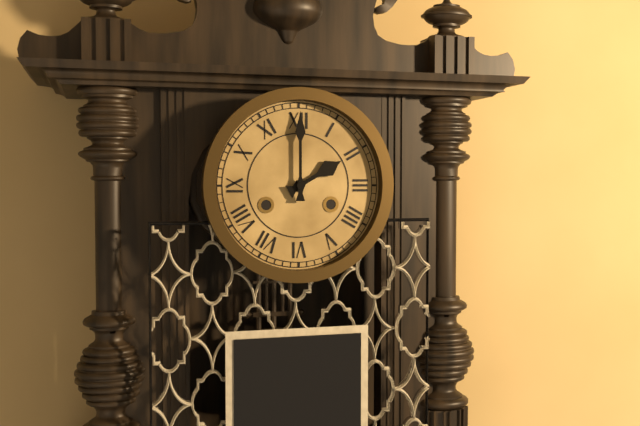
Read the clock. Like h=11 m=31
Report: h=2 m=0
